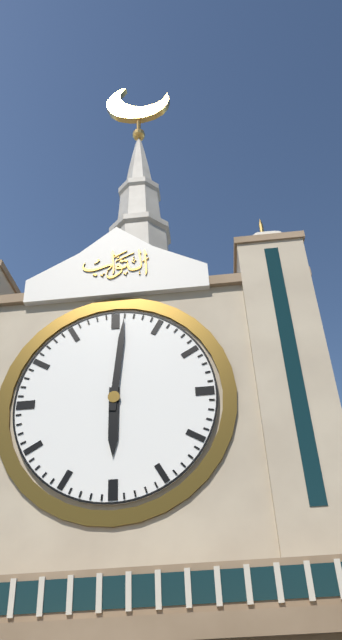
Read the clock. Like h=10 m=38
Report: h=6 m=1
